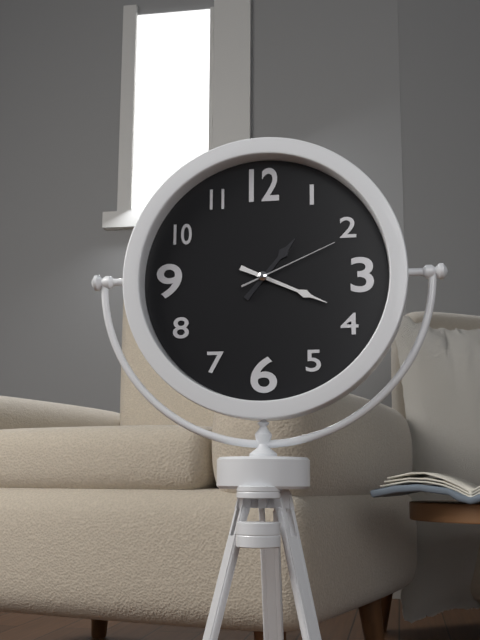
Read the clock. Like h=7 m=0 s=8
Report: h=1 m=19 s=11
